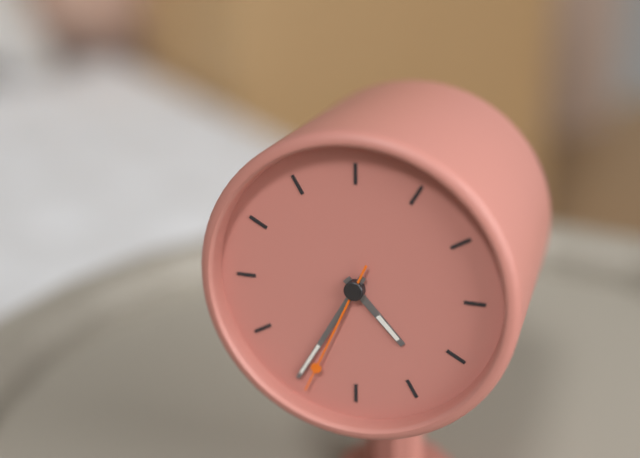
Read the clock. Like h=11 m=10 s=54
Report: h=4 m=35 s=34
